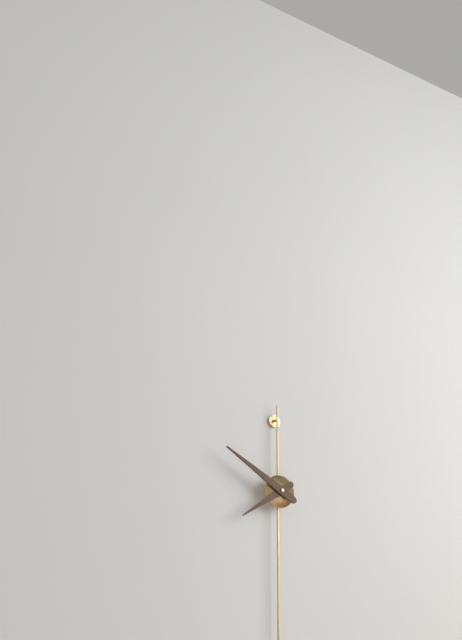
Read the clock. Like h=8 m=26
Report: h=7 m=50
